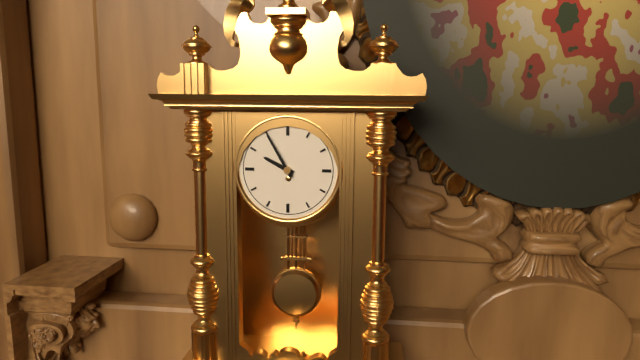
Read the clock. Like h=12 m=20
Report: h=9 m=55
